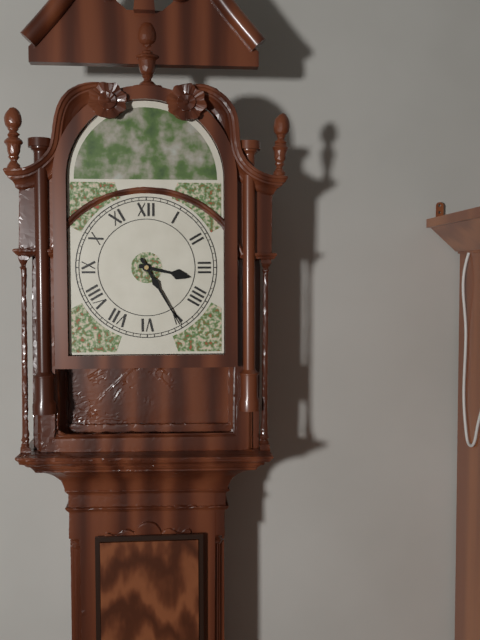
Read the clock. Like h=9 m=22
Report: h=3 m=25
